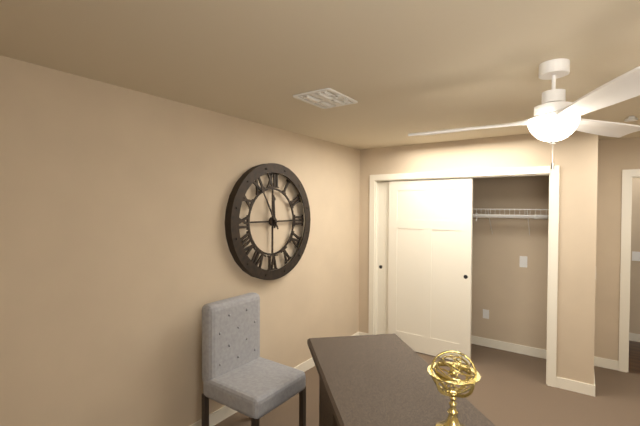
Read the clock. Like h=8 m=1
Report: h=11 m=55
